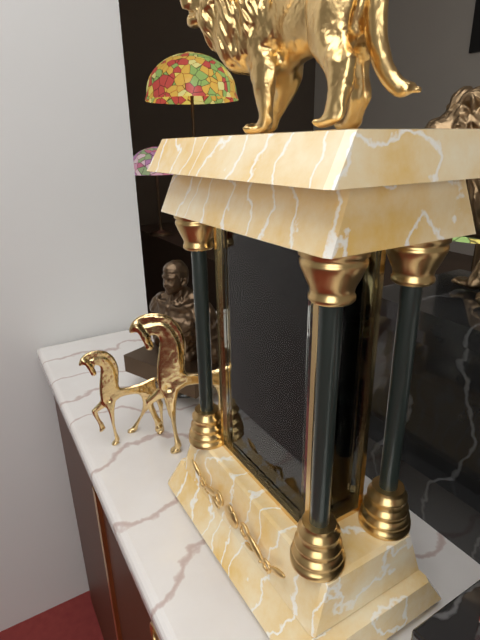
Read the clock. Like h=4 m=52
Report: h=5 m=0
